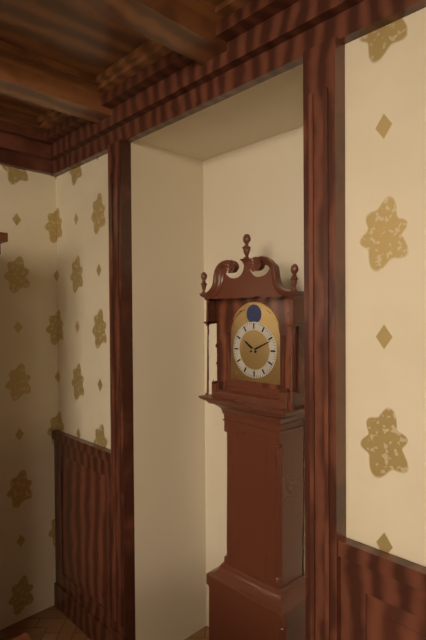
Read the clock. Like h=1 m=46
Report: h=10 m=11
